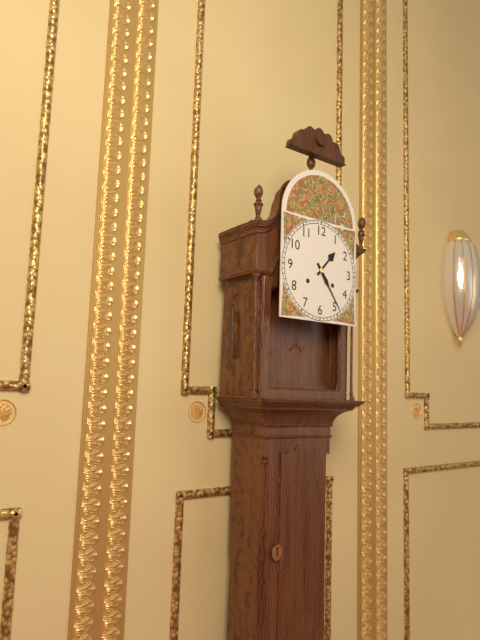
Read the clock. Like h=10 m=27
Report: h=1 m=24
